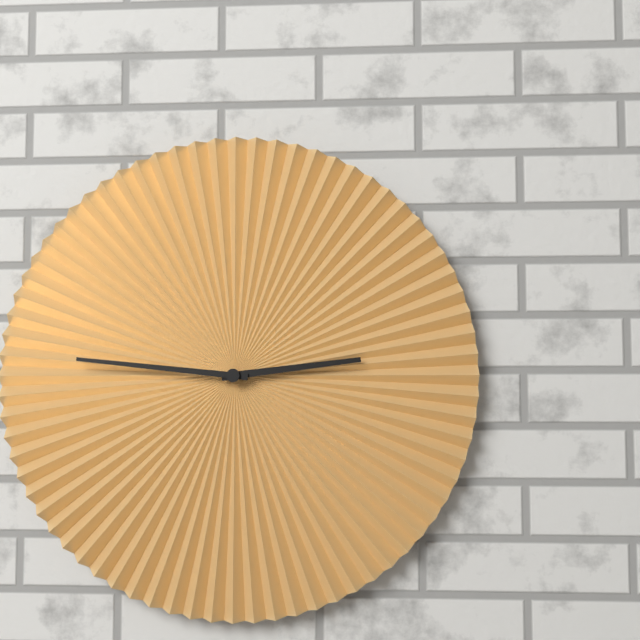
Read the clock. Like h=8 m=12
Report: h=2 m=46
